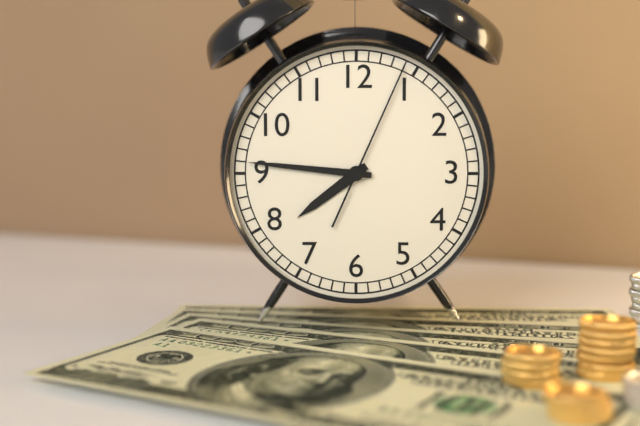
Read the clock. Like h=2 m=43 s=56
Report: h=7 m=46 s=4
